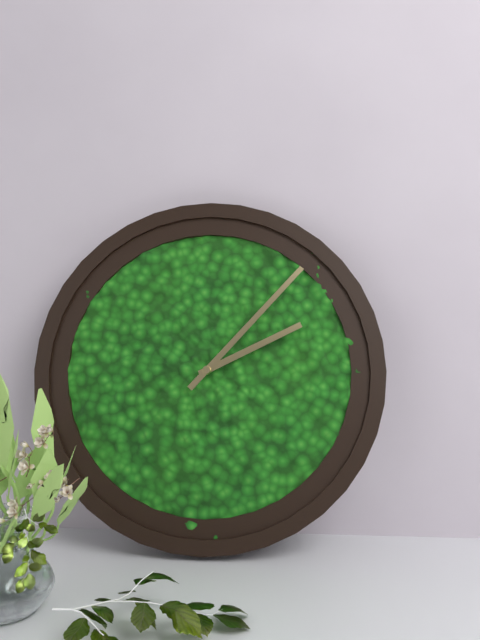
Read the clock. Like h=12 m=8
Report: h=2 m=7
